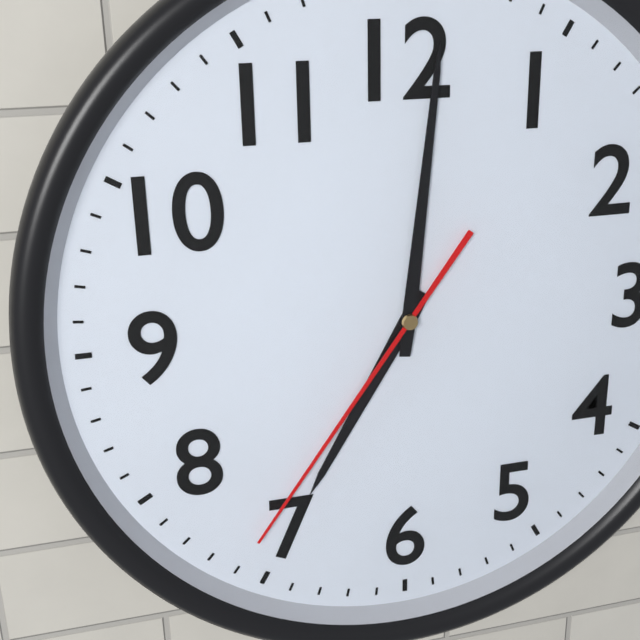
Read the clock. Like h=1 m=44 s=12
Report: h=7 m=1 s=36
